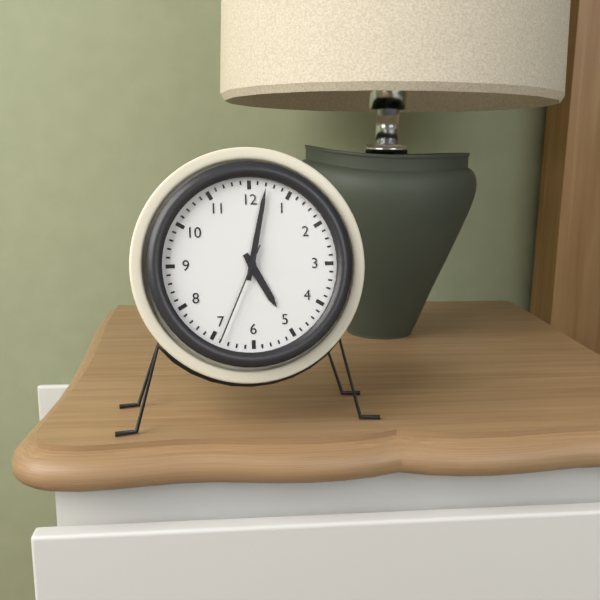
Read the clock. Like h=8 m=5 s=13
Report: h=5 m=2 s=34
